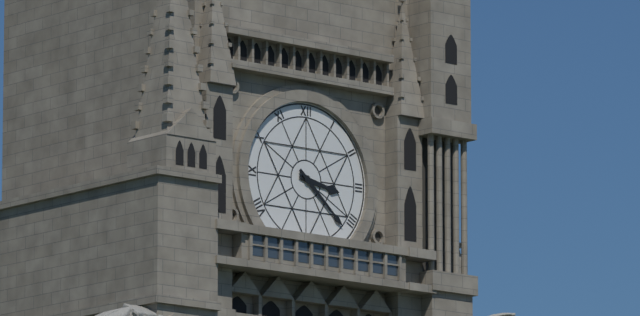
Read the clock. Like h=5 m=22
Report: h=3 m=22
